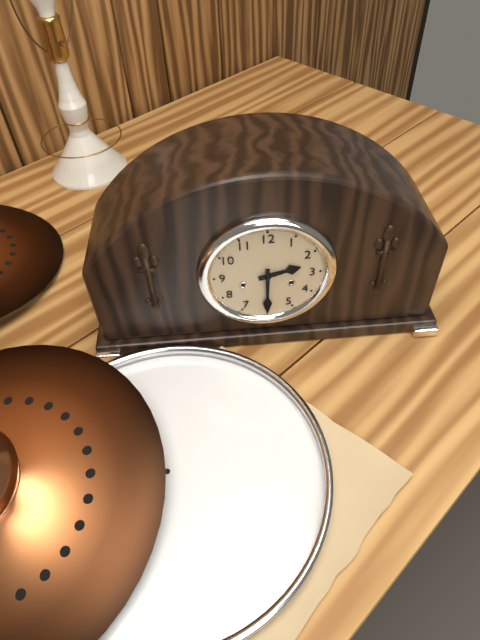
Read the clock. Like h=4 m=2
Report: h=2 m=30
